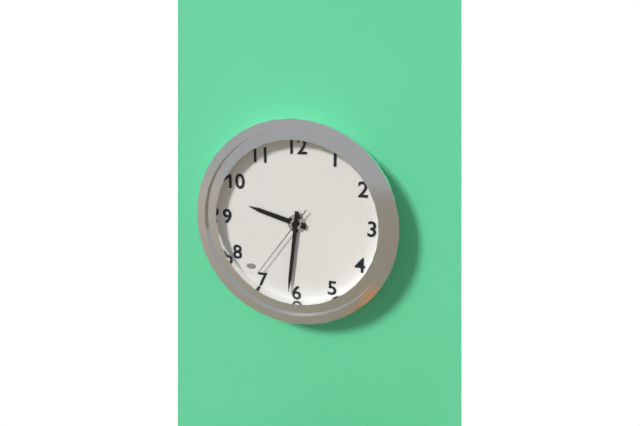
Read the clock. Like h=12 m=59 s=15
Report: h=9 m=31 s=36
